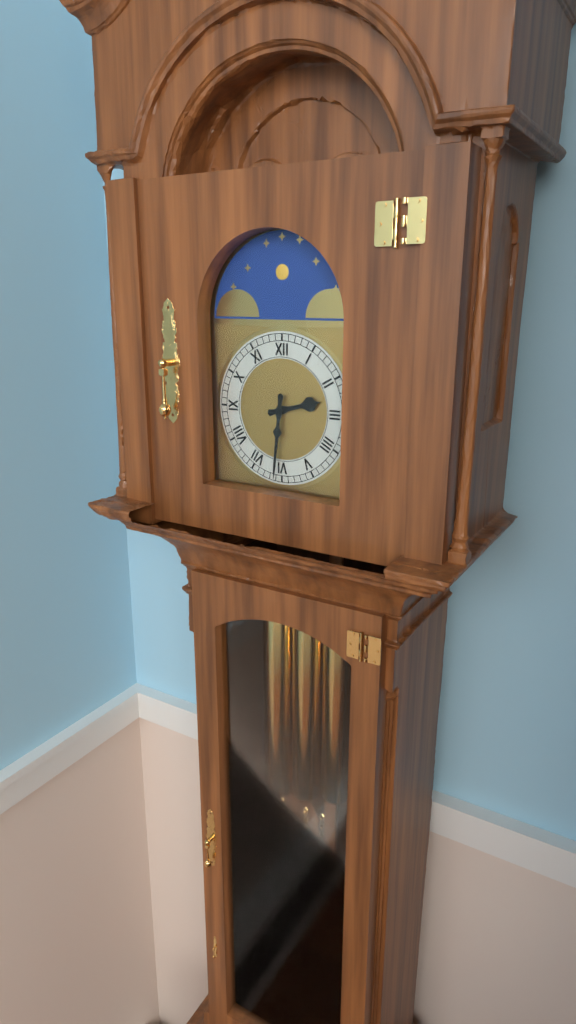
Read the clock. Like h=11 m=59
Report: h=2 m=31
